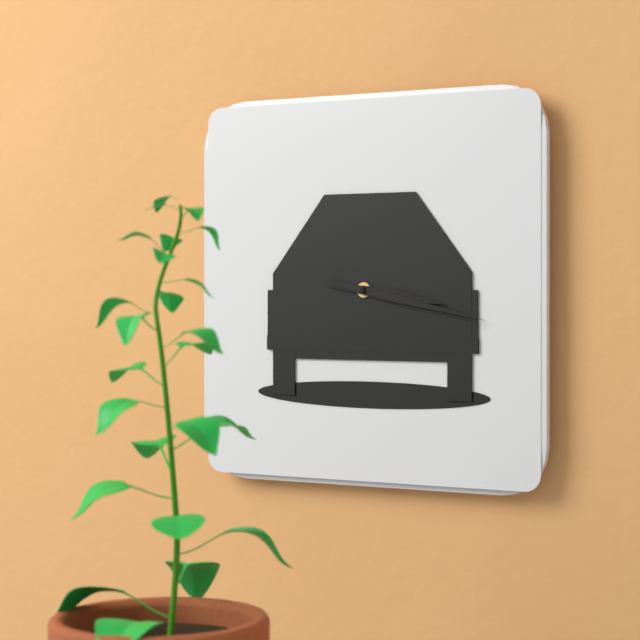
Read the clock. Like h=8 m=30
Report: h=3 m=17
